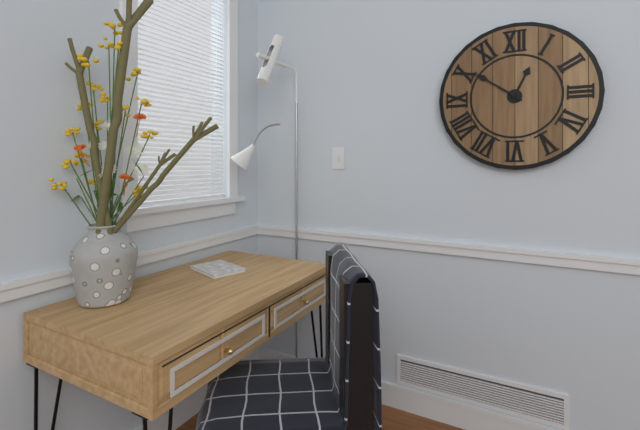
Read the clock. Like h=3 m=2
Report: h=12 m=51
